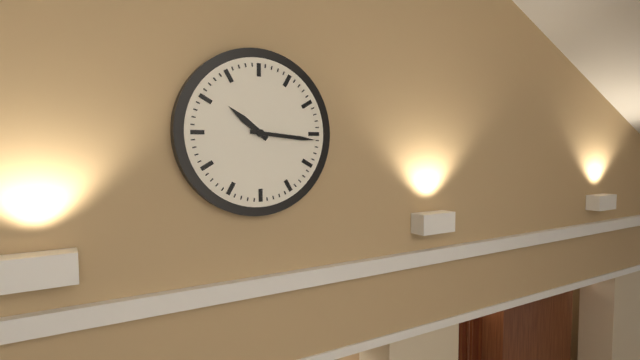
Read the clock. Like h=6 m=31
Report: h=10 m=16
